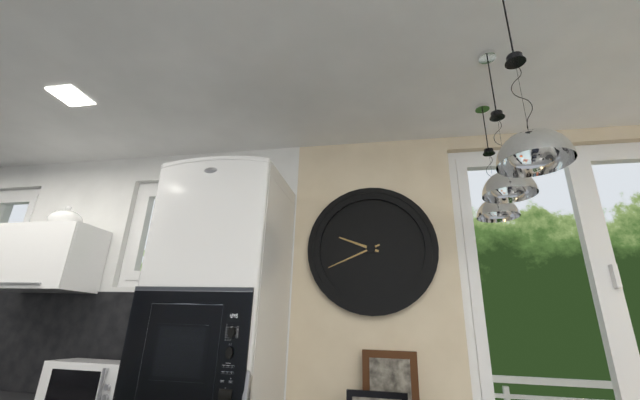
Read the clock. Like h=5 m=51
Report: h=9 m=41
